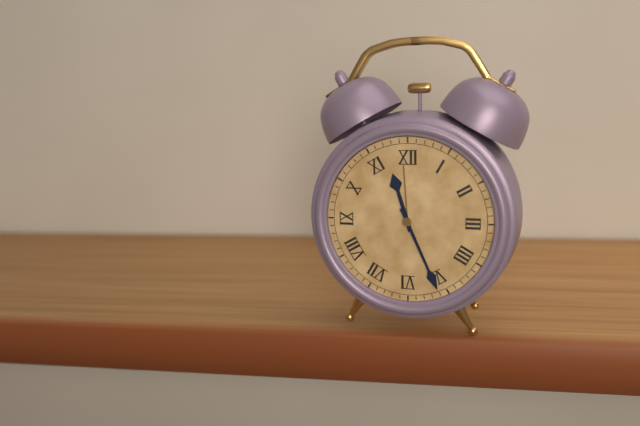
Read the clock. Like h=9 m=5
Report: h=11 m=26
